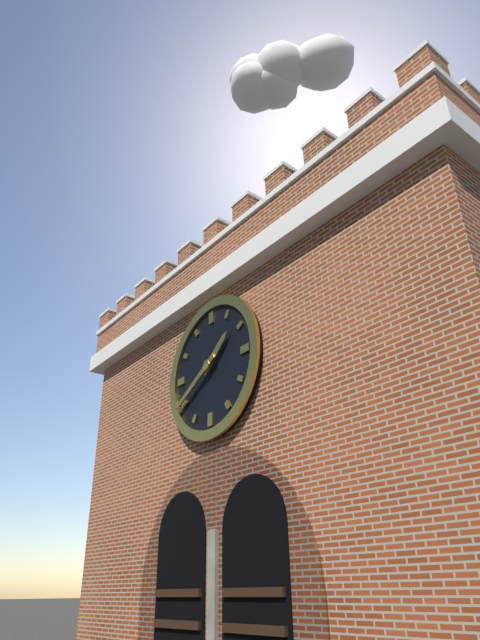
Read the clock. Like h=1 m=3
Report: h=1 m=40
